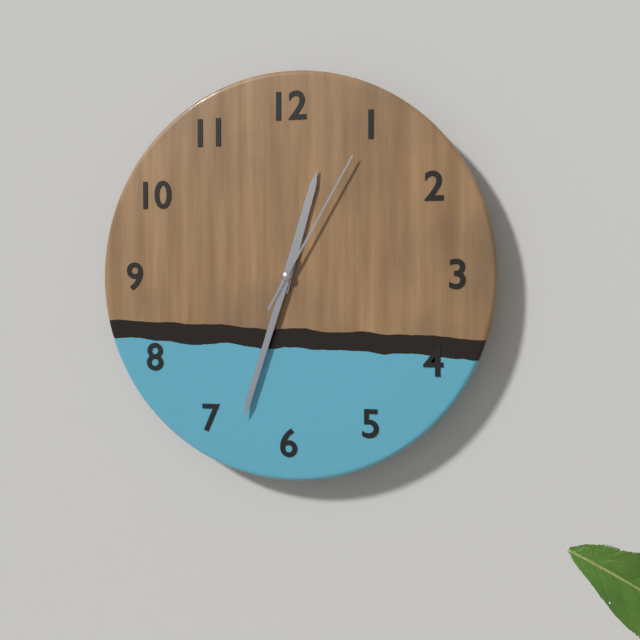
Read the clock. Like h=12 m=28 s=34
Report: h=12 m=33 s=5
